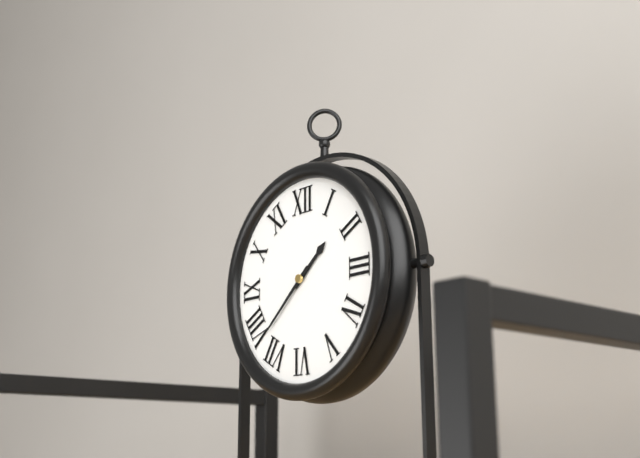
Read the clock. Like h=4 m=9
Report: h=1 m=38
